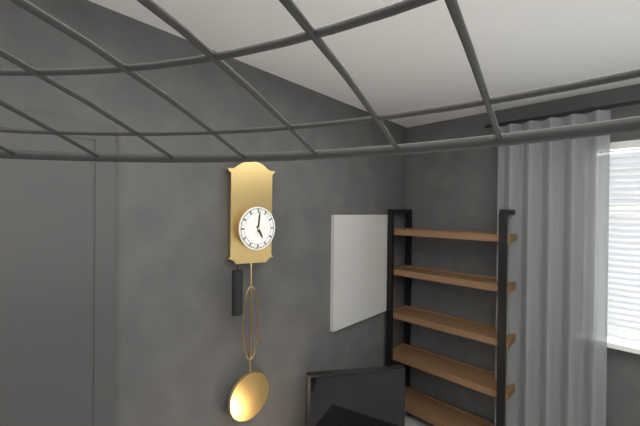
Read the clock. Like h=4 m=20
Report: h=5 m=1
